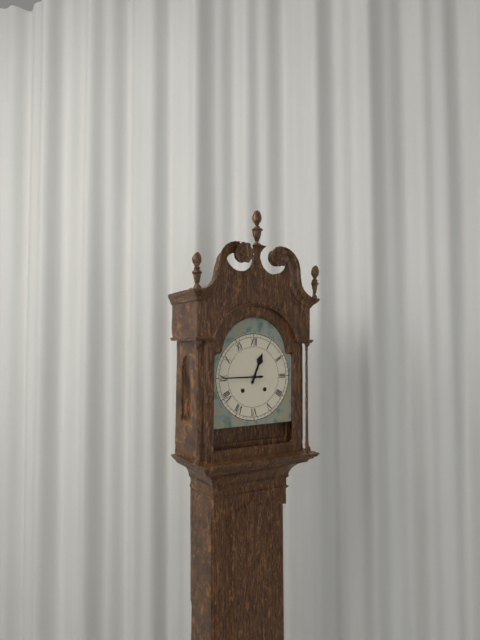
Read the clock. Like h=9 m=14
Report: h=12 m=45
